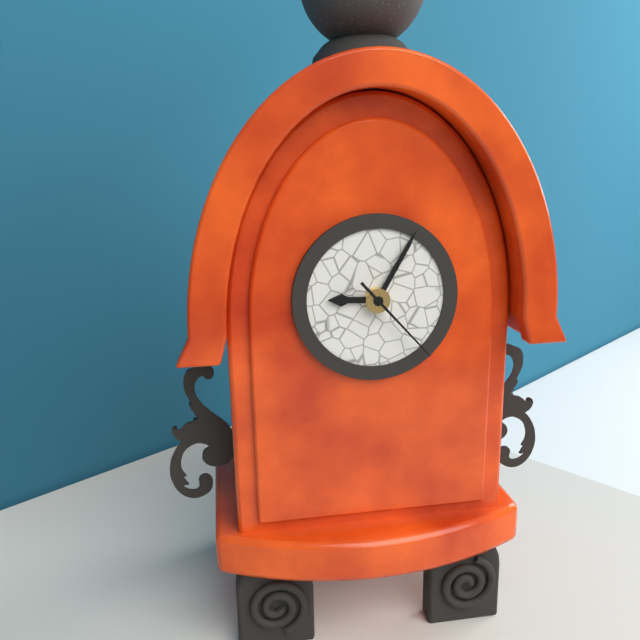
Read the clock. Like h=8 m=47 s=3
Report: h=9 m=5 s=23
